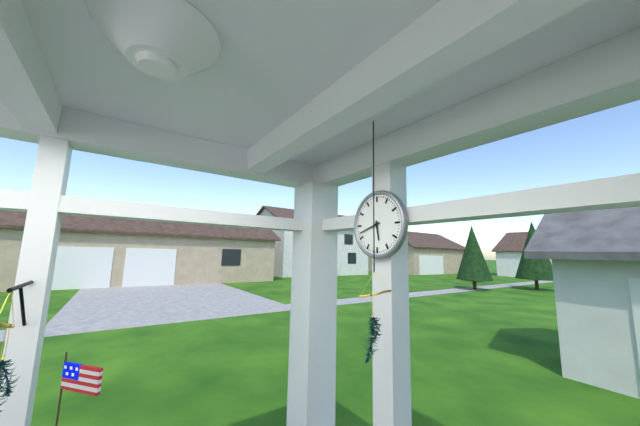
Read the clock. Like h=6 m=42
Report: h=5 m=42
